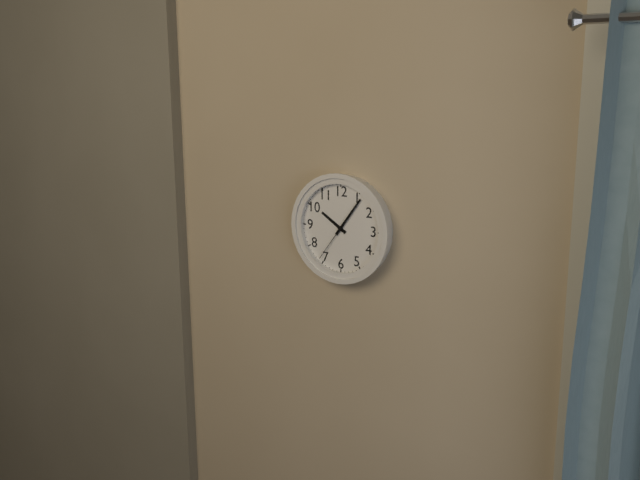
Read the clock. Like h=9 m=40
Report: h=10 m=6
